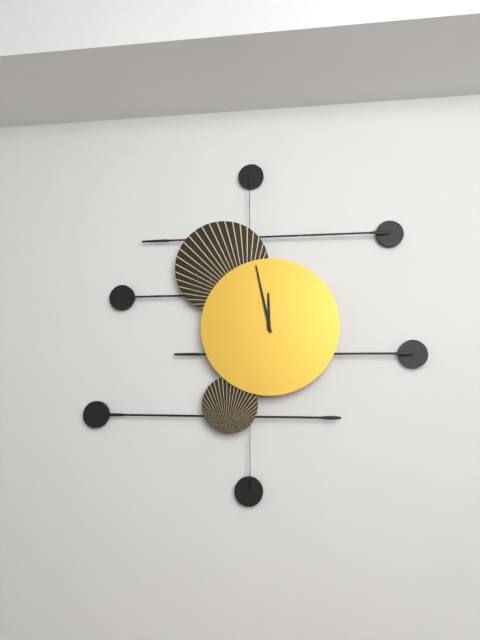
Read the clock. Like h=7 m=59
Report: h=11 m=58
